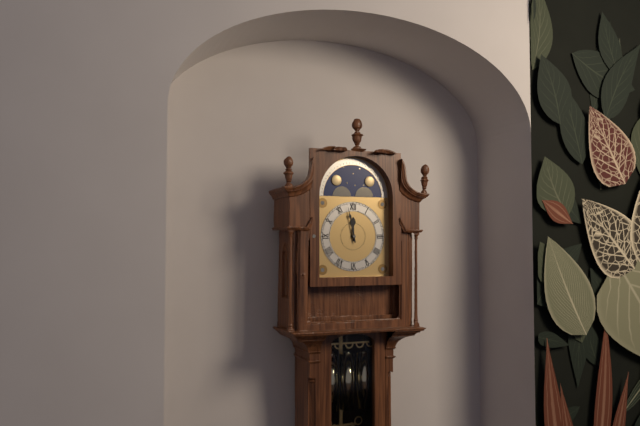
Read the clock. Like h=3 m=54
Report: h=11 m=58
